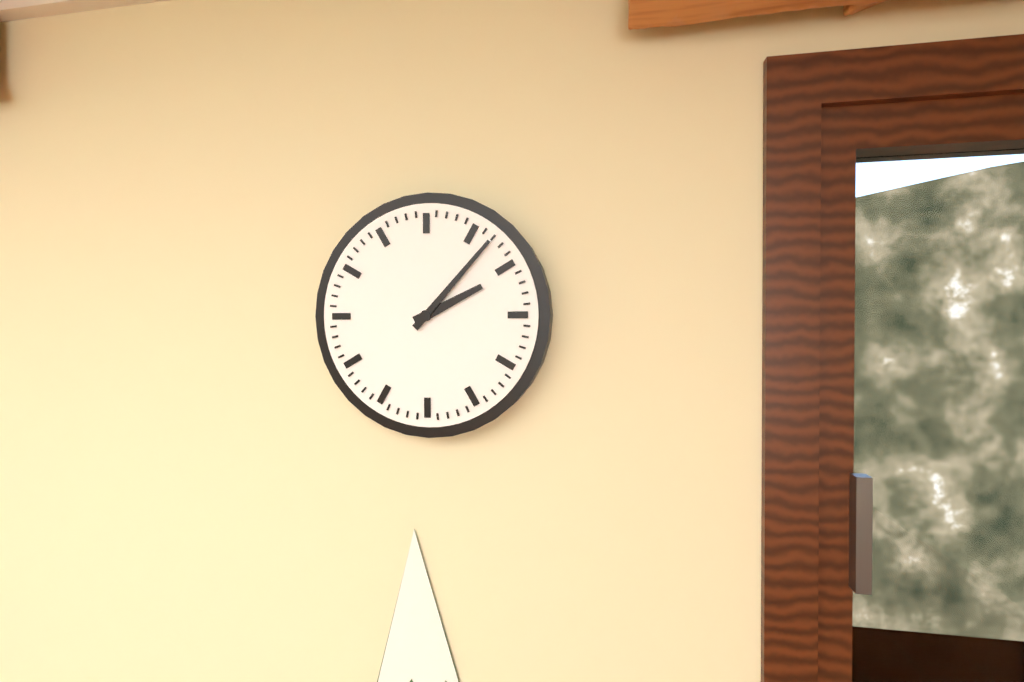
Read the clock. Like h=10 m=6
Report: h=2 m=7
